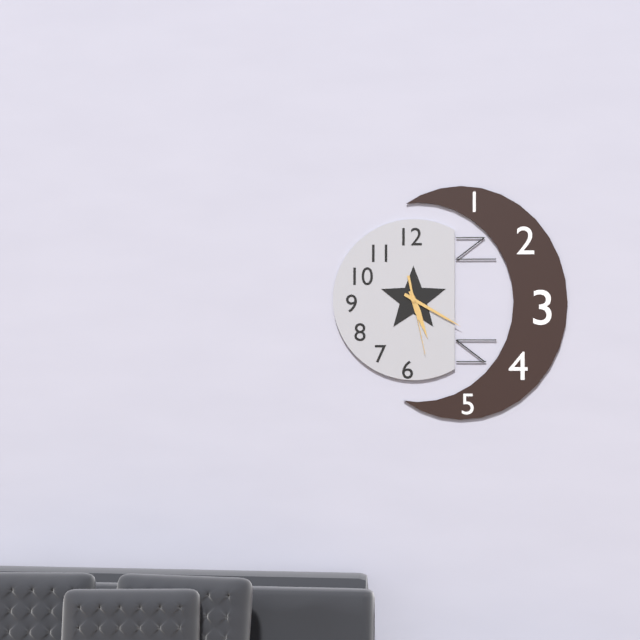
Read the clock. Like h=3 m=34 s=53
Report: h=5 m=20 s=28
